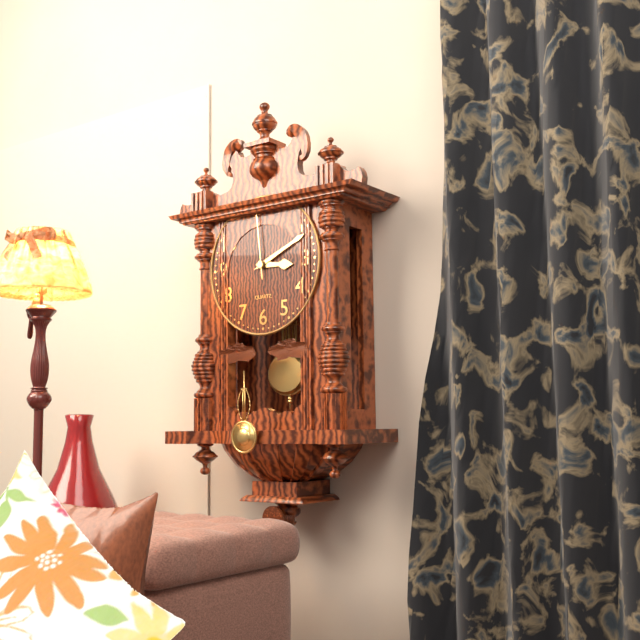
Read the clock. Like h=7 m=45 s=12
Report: h=3 m=11 s=59
